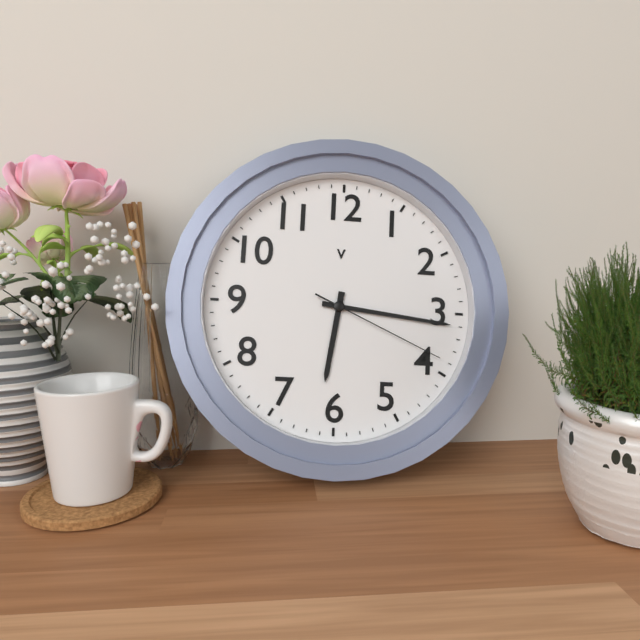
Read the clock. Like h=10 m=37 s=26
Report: h=6 m=16 s=19
